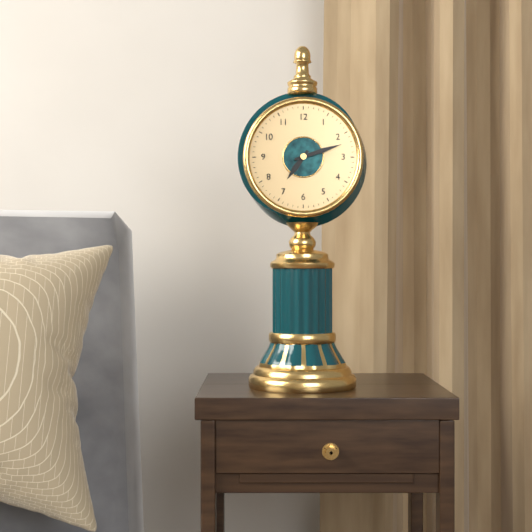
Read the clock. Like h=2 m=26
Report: h=7 m=12
